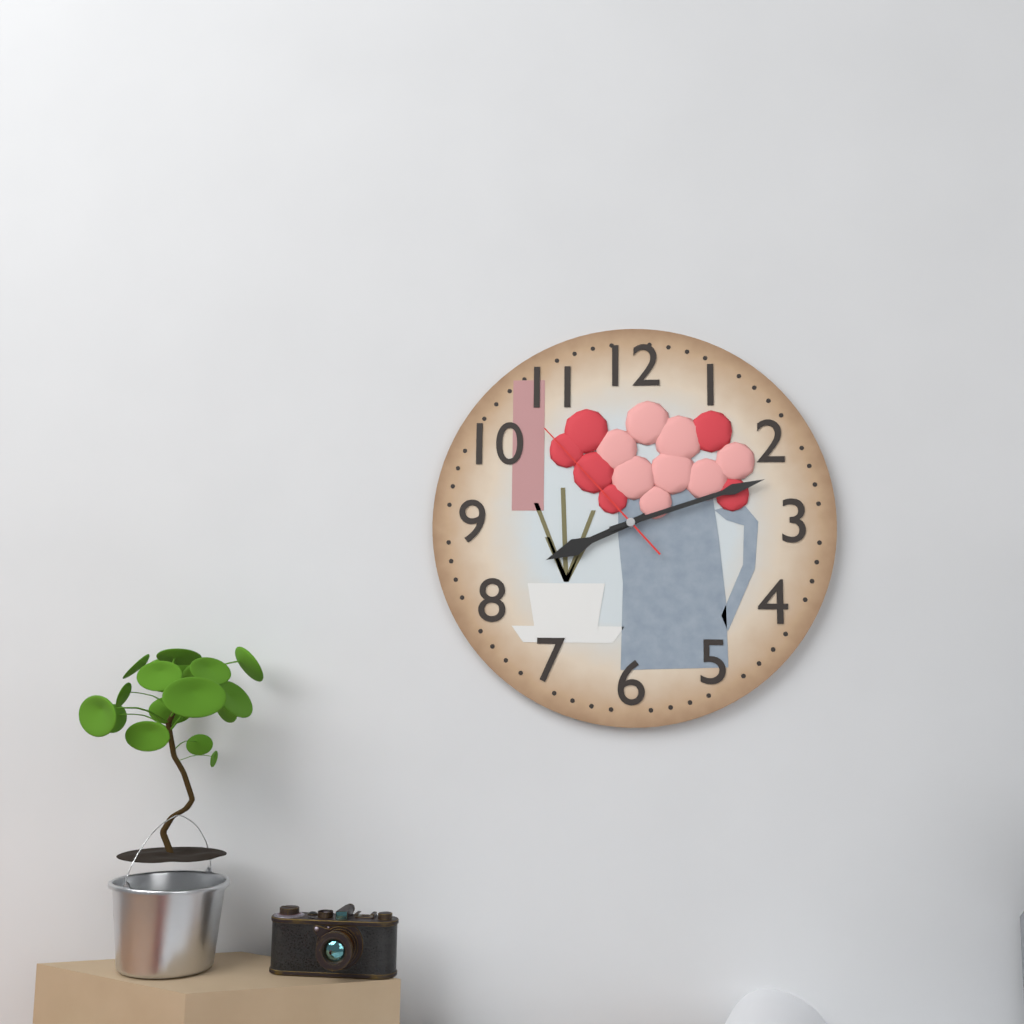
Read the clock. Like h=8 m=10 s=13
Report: h=8 m=12 s=53
